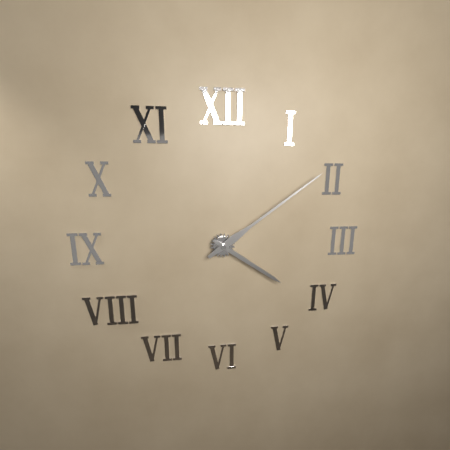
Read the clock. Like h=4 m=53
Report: h=4 m=9
